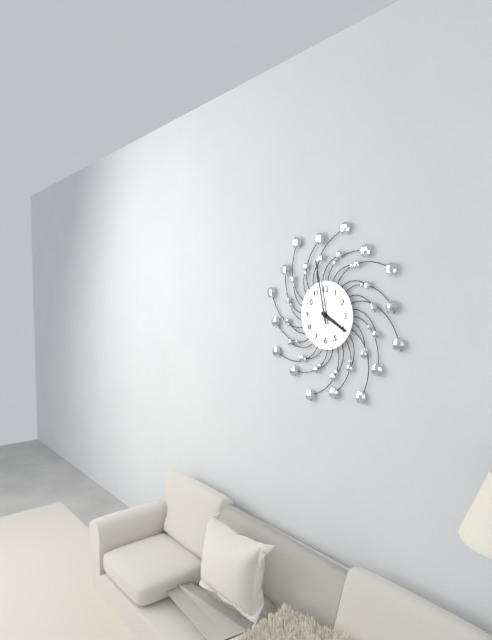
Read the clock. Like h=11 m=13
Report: h=3 m=58
